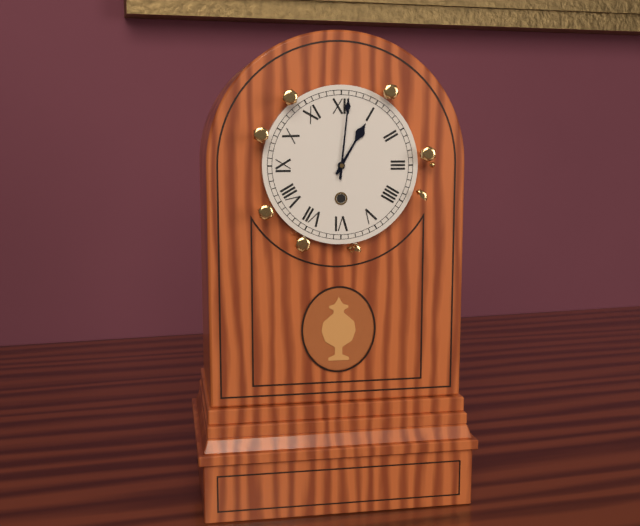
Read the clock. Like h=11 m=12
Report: h=1 m=1
